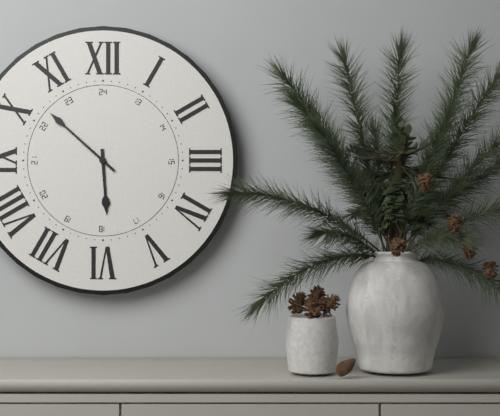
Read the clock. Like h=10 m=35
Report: h=5 m=52
